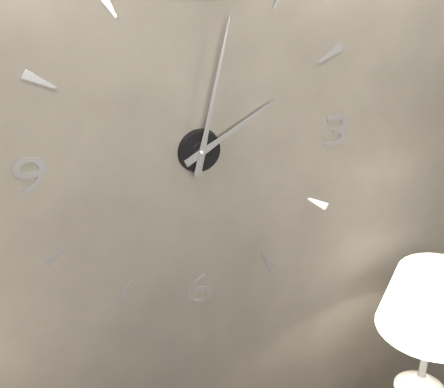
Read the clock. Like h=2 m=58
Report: h=2 m=2
